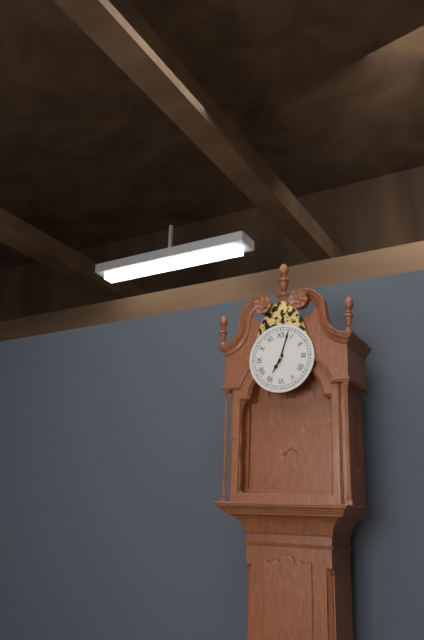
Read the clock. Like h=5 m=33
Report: h=7 m=3
